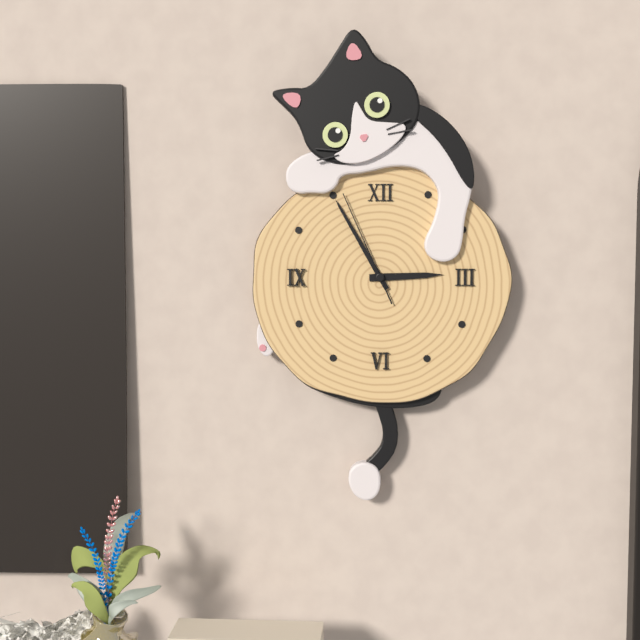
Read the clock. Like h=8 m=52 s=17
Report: h=2 m=55 s=56
